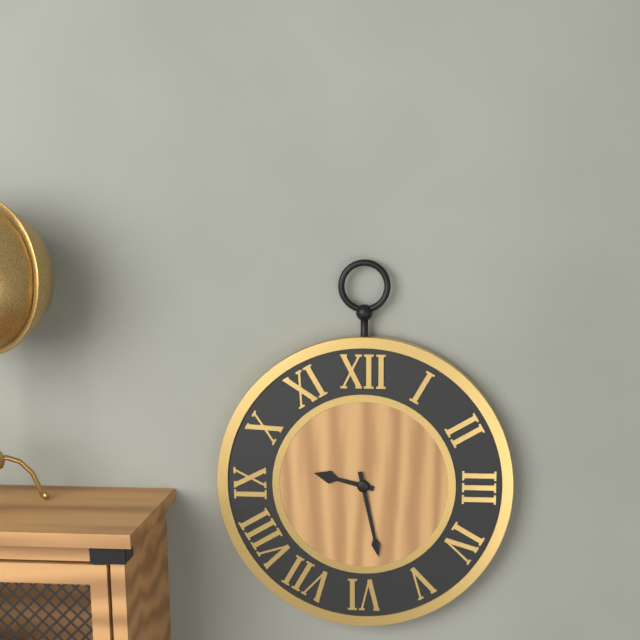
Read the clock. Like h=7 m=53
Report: h=9 m=28
